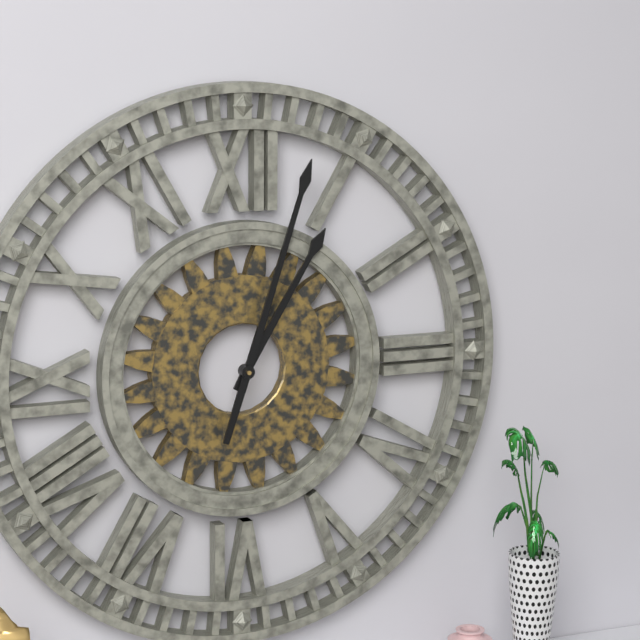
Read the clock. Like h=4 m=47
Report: h=1 m=3
